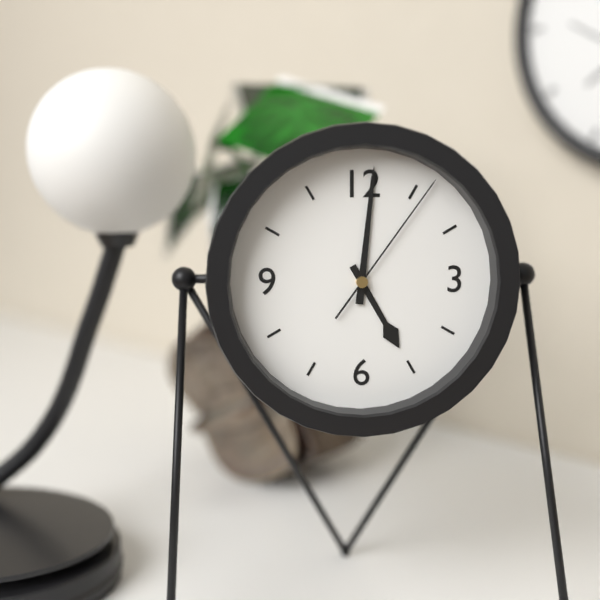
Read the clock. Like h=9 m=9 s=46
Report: h=5 m=1 s=6
